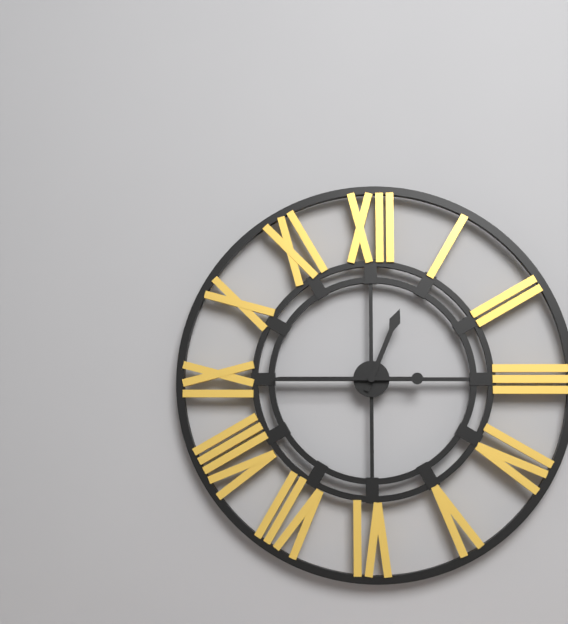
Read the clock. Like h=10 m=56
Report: h=12 m=45
